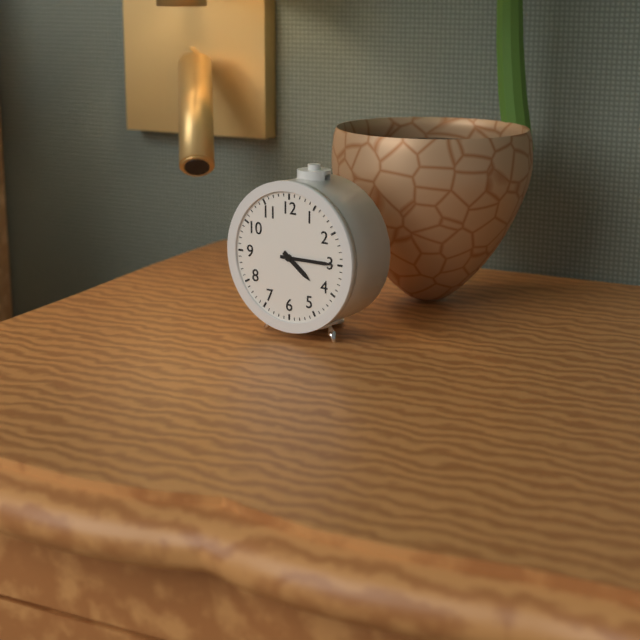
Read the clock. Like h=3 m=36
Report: h=4 m=15
